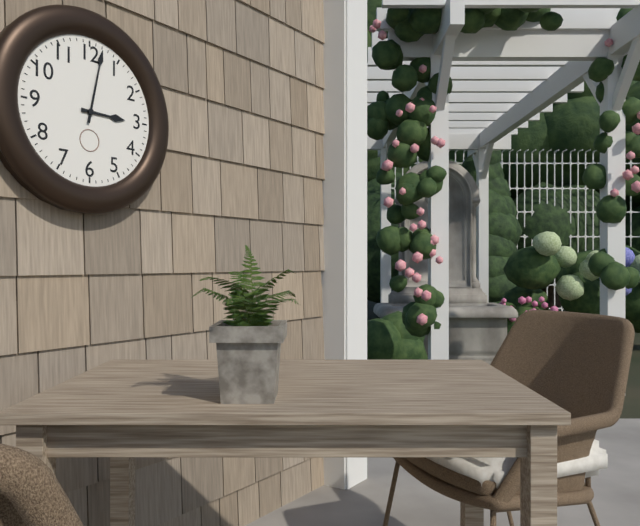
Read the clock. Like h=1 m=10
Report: h=3 m=2
